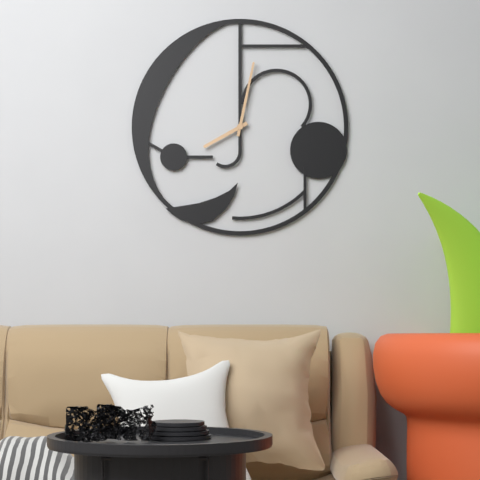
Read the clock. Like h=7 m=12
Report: h=8 m=2
